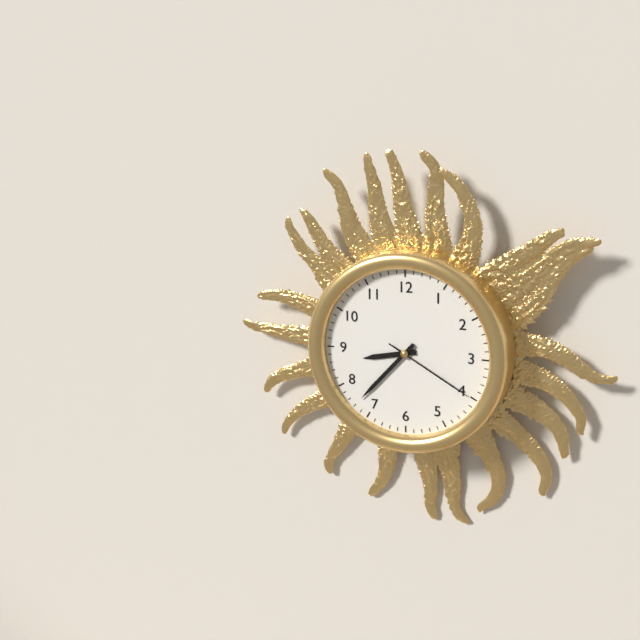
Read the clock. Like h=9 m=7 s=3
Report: h=8 m=37 s=20
